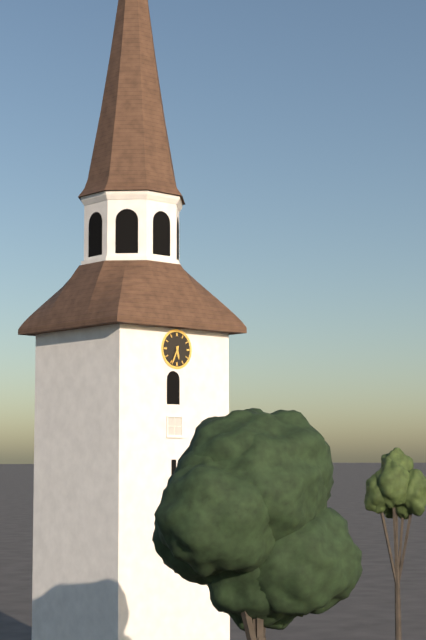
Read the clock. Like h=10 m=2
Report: h=5 m=34
